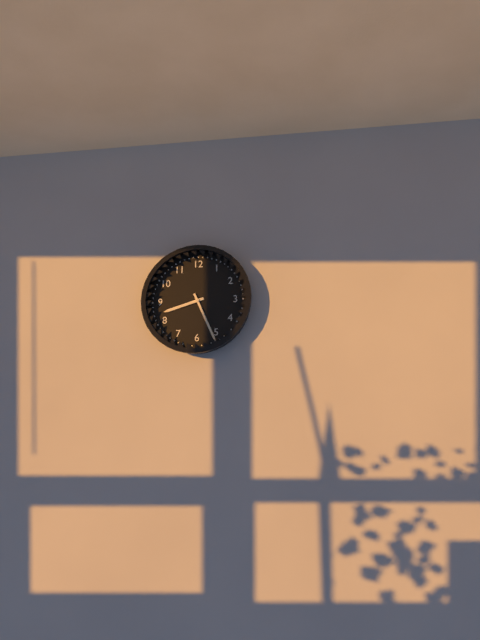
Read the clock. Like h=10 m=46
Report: h=8 m=26
